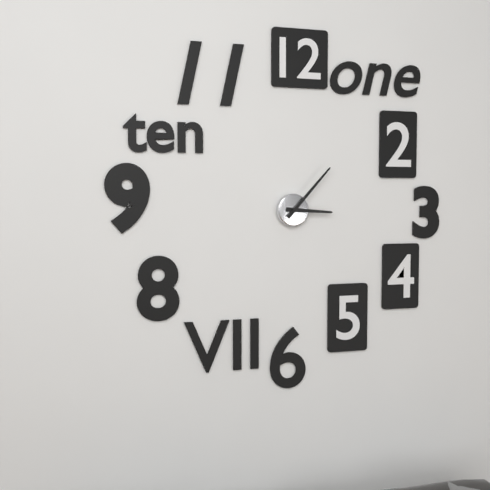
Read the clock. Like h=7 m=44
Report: h=3 m=7
